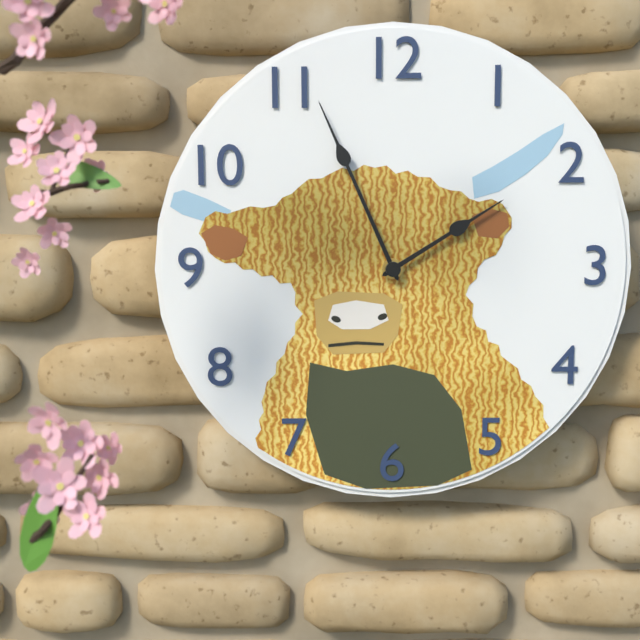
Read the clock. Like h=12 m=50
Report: h=1 m=56
